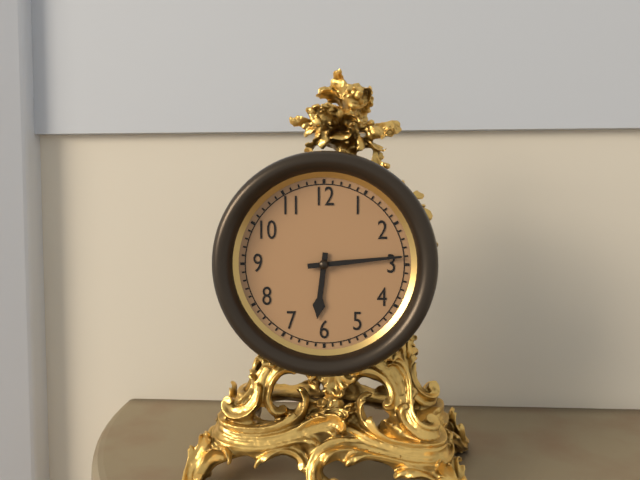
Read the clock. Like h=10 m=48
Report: h=6 m=14
